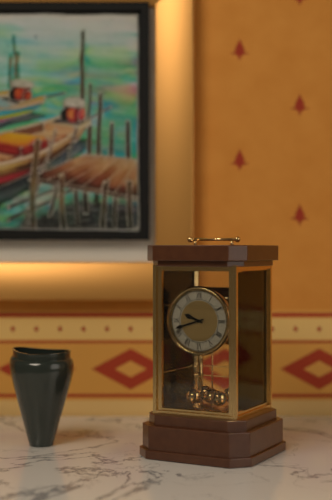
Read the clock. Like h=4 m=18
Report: h=9 m=42
